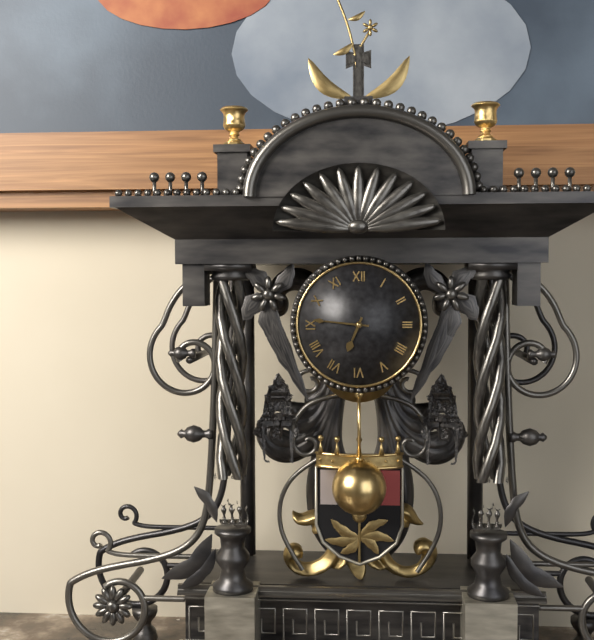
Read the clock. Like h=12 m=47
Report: h=6 m=46
